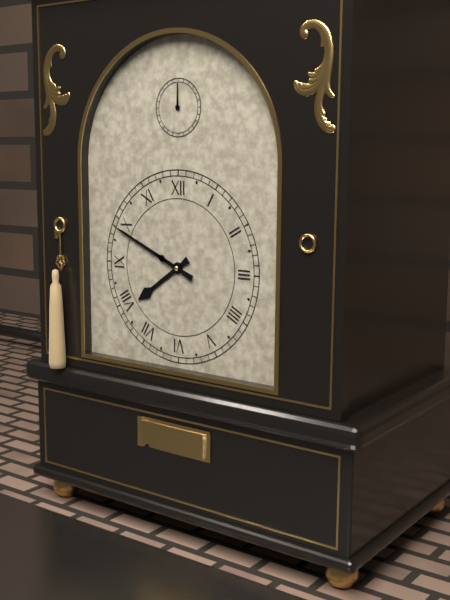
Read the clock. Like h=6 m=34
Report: h=7 m=49
